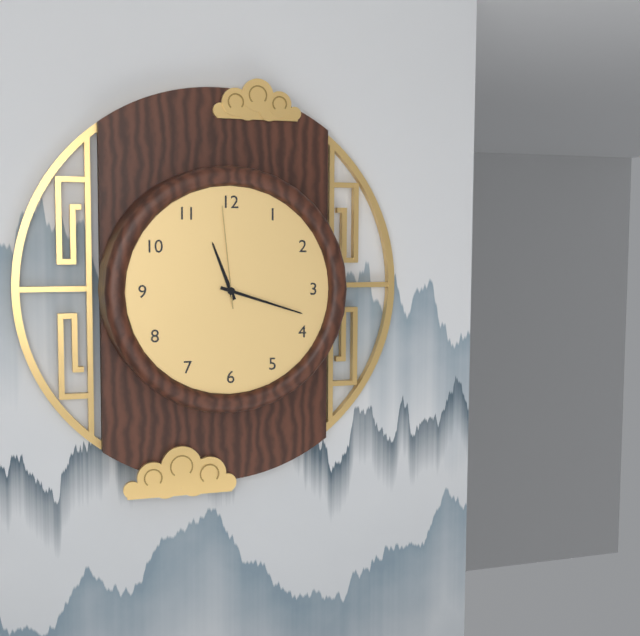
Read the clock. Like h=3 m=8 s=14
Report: h=11 m=18 s=59
